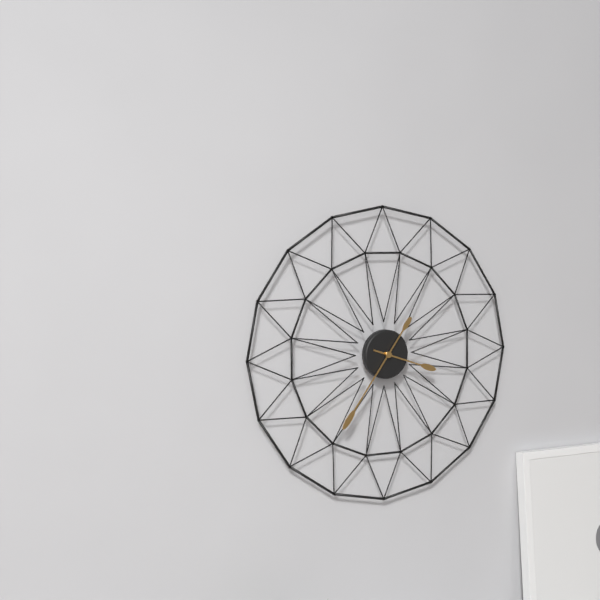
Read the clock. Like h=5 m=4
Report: h=3 m=36
